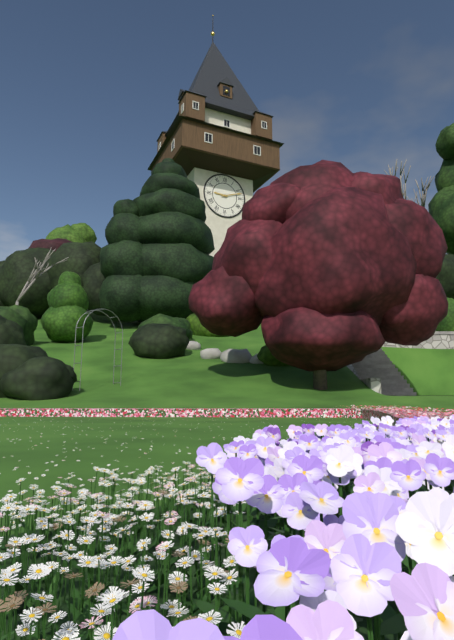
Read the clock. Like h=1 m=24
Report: h=9 m=12
